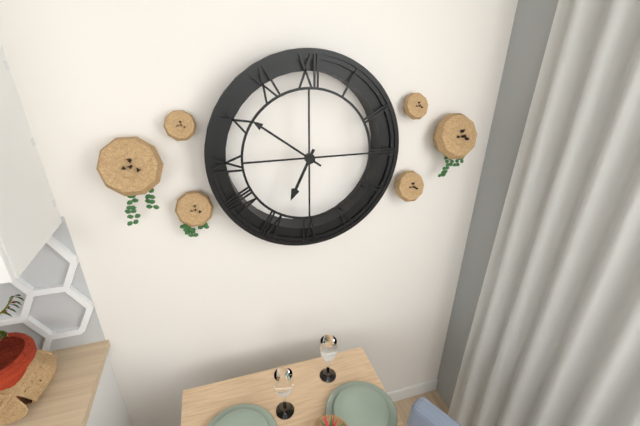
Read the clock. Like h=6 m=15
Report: h=6 m=51
